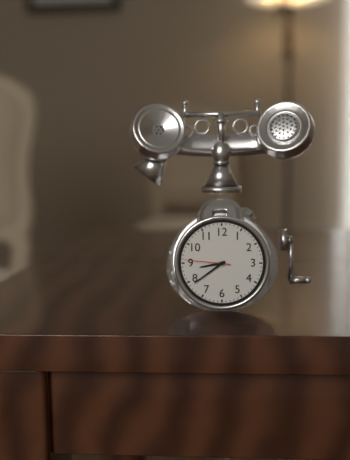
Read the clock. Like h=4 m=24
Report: h=8 m=39
